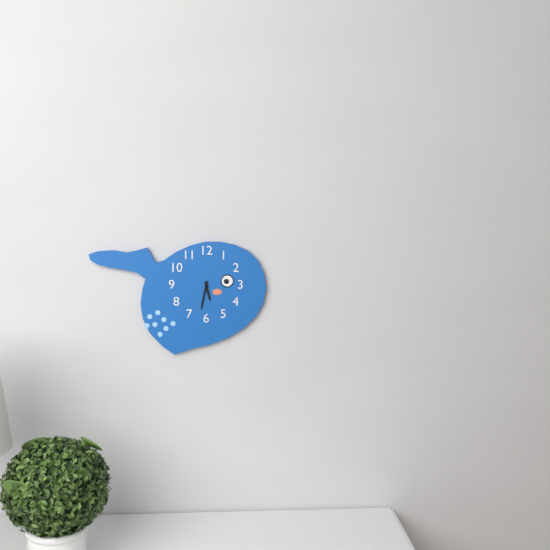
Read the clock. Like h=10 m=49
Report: h=5 m=32
